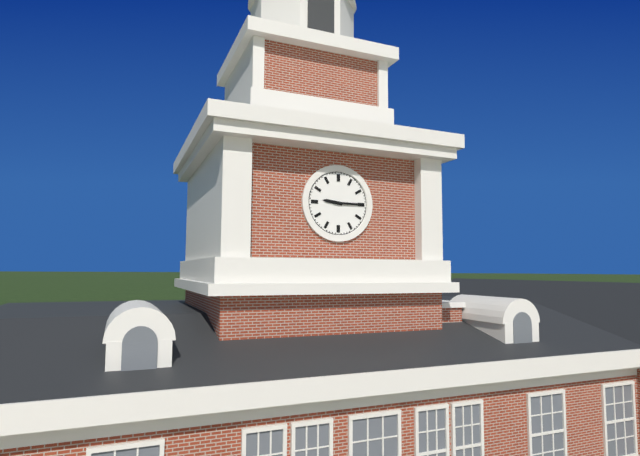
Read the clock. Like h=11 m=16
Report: h=9 m=15
